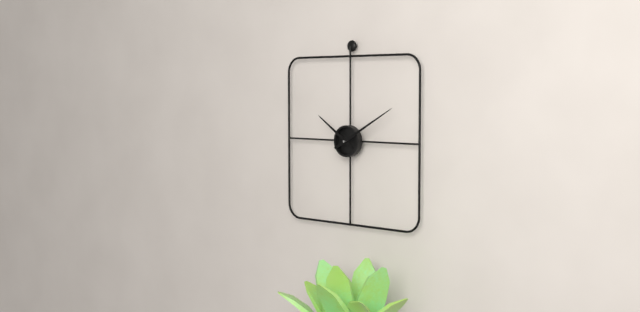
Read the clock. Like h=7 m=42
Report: h=10 m=10
